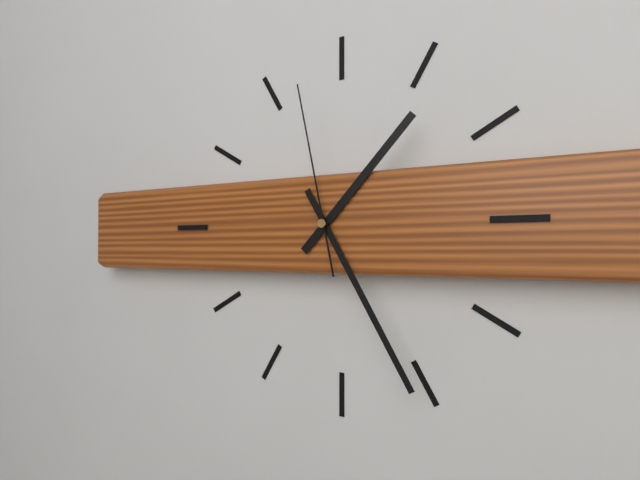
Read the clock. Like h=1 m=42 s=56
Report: h=1 m=25 s=58
